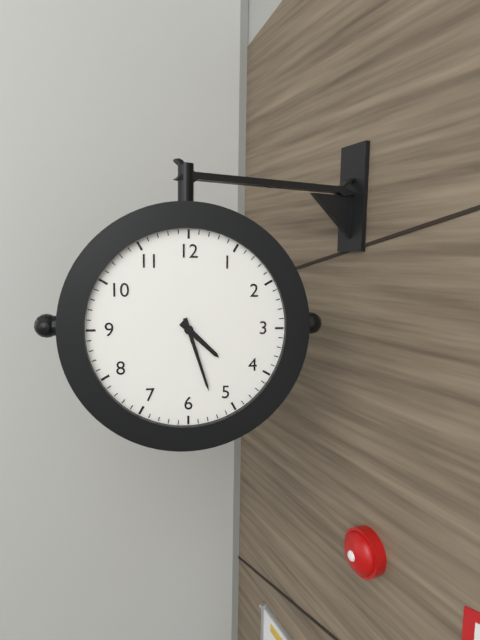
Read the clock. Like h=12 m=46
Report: h=4 m=27
